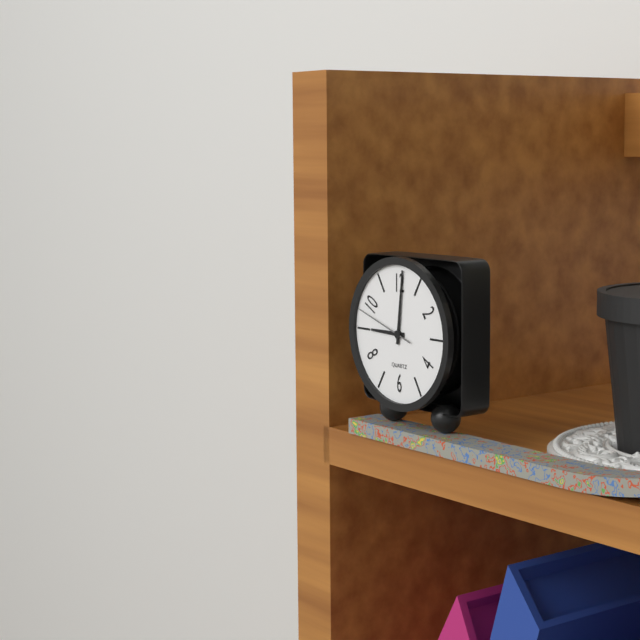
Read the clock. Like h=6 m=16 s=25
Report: h=9 m=1 s=48
